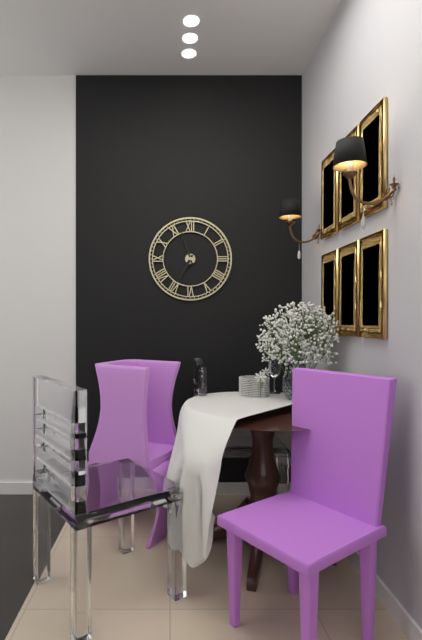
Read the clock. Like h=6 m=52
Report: h=6 m=57
